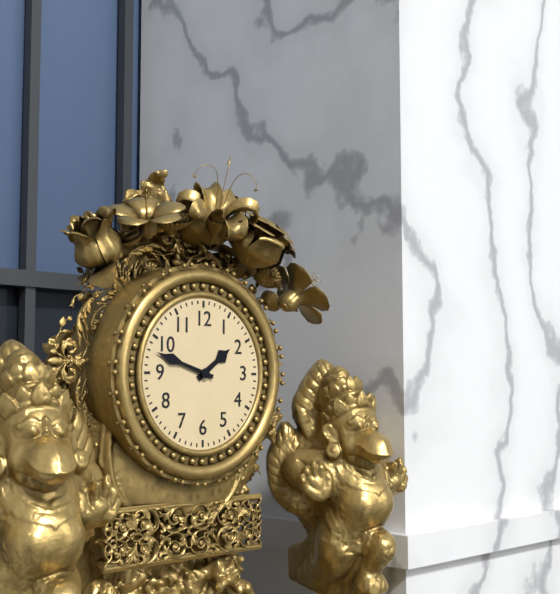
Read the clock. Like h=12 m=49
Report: h=1 m=48
